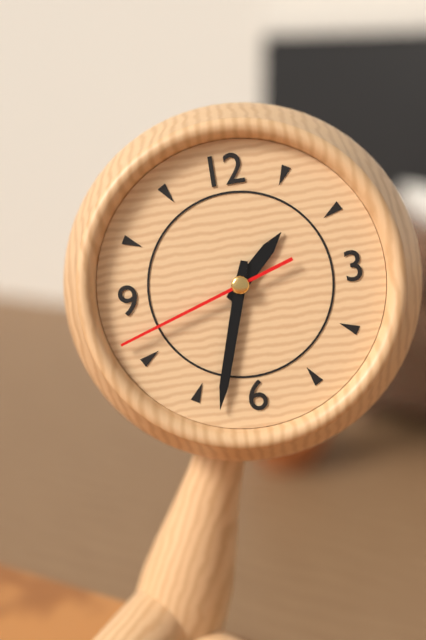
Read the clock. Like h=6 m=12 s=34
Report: h=1 m=33 s=42
